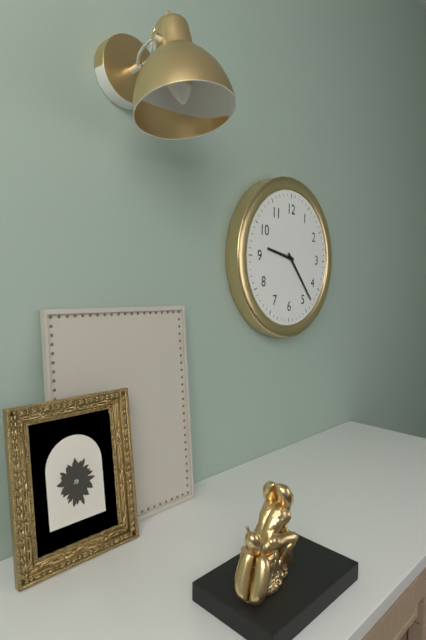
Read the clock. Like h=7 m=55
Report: h=9 m=23
